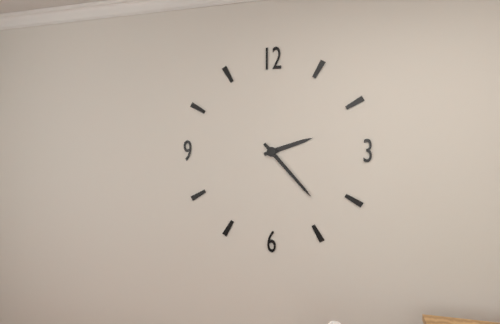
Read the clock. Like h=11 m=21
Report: h=2 m=23
